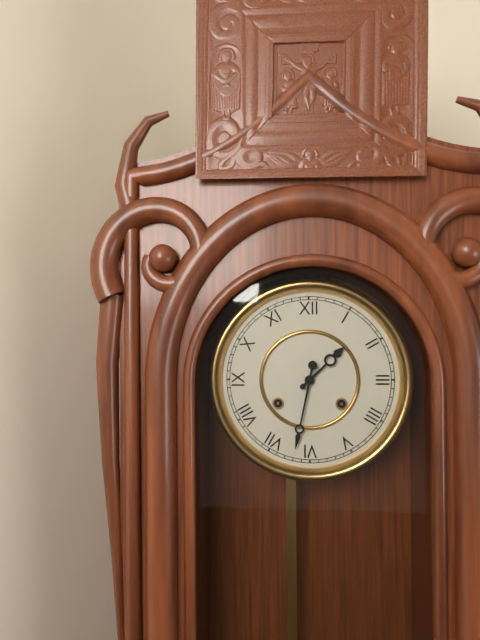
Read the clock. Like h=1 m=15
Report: h=1 m=32
